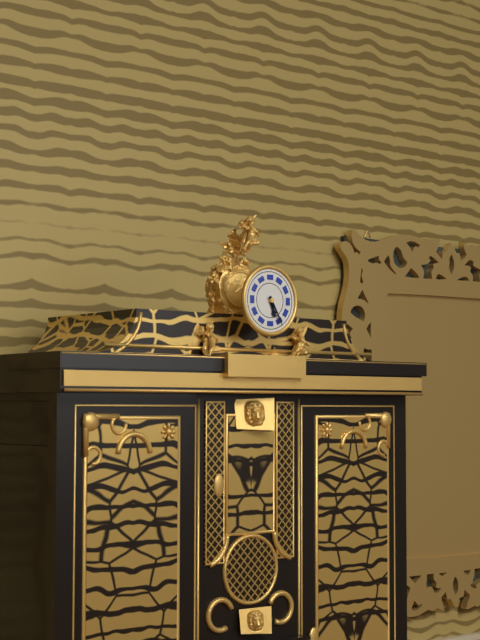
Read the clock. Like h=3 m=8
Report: h=5 m=25
